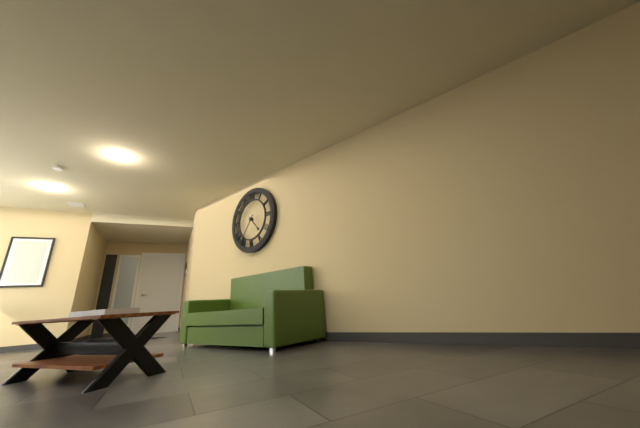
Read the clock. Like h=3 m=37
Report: h=4 m=36
